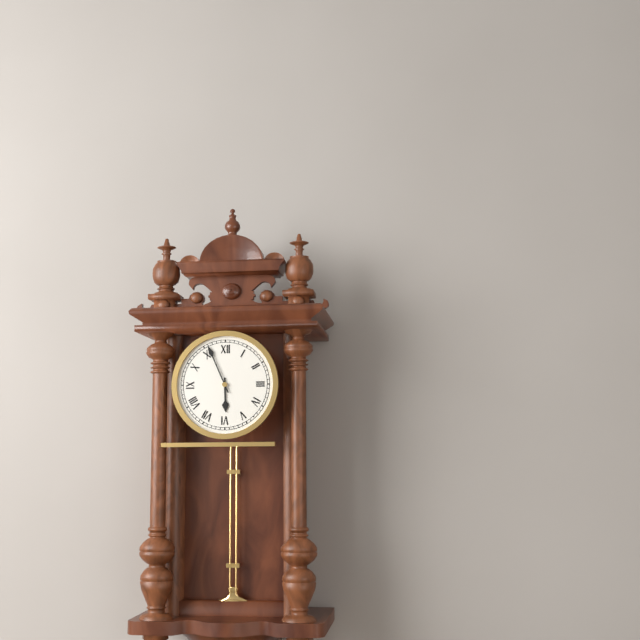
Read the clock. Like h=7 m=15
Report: h=5 m=56
